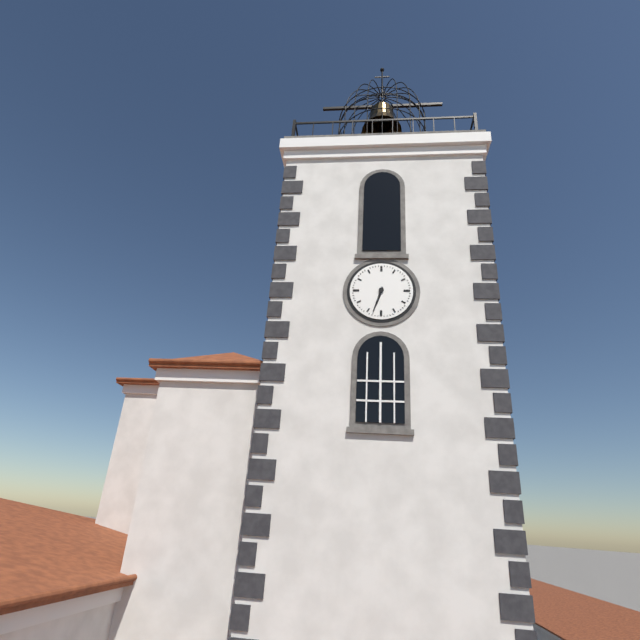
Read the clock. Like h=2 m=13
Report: h=6 m=33
